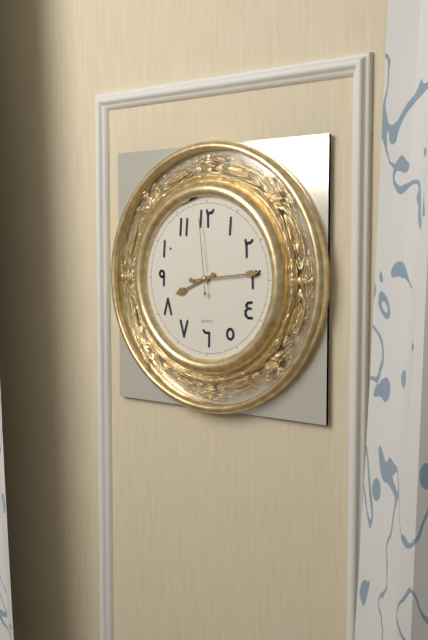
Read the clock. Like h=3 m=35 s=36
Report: h=8 m=14 s=59
